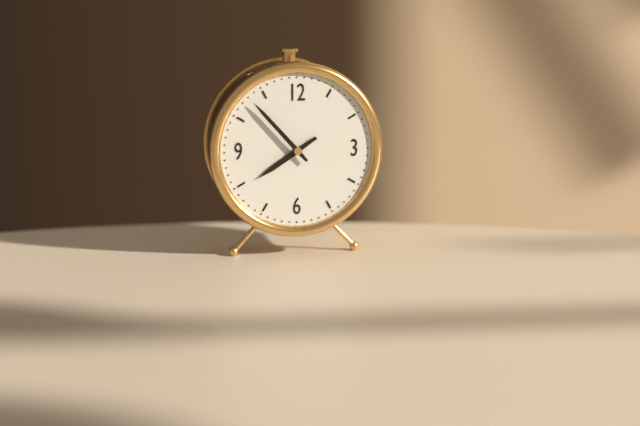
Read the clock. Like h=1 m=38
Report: h=7 m=53
